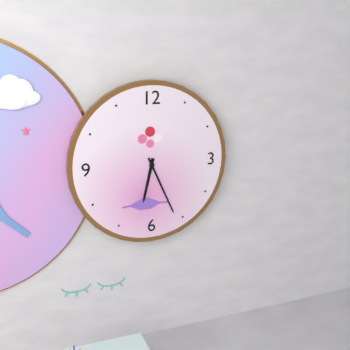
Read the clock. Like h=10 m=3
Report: h=6 m=26
